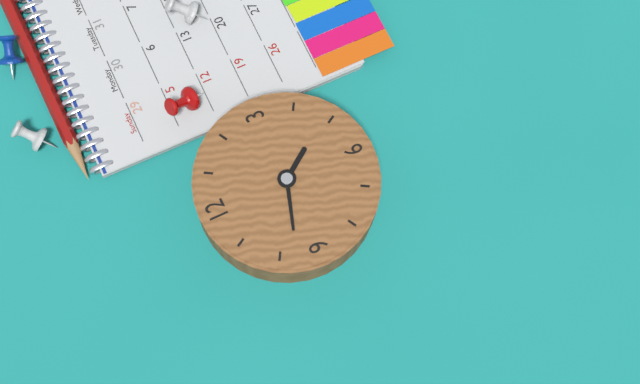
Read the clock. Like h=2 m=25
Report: h=4 m=48
